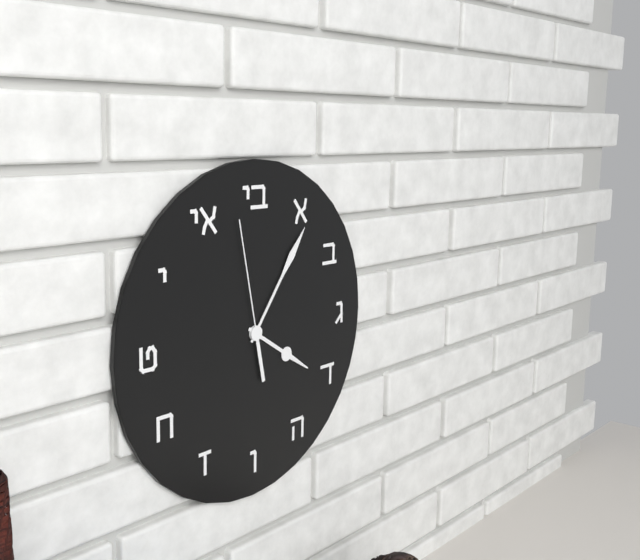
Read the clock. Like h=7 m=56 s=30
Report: h=4 m=6 s=58
